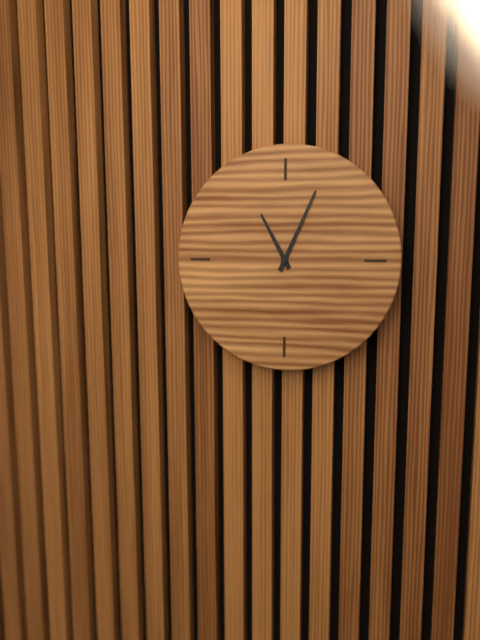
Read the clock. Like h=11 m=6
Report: h=11 m=4
